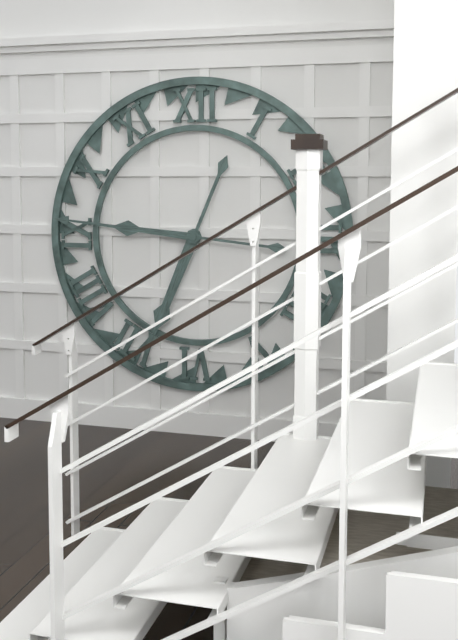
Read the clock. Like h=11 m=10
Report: h=6 m=46
